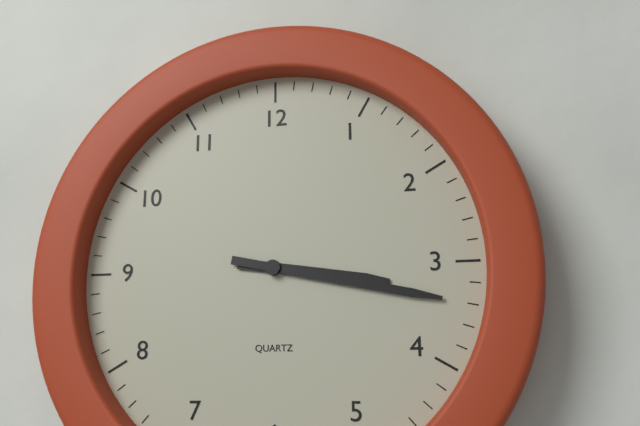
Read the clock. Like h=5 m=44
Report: h=3 m=17
